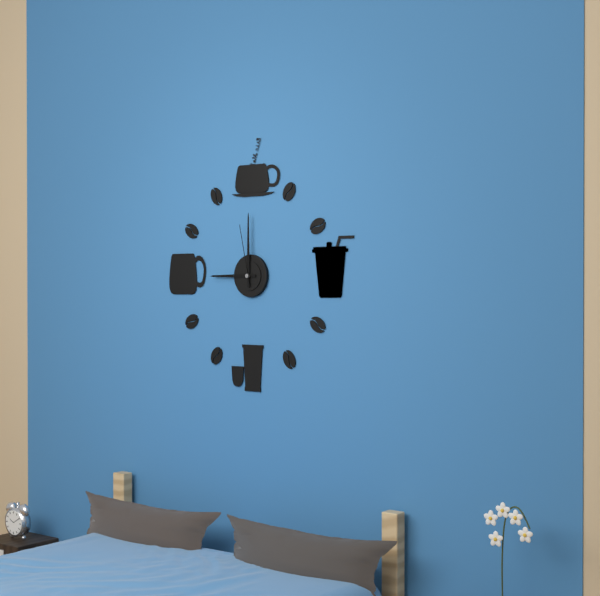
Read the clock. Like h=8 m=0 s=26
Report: h=9 m=0 s=58
